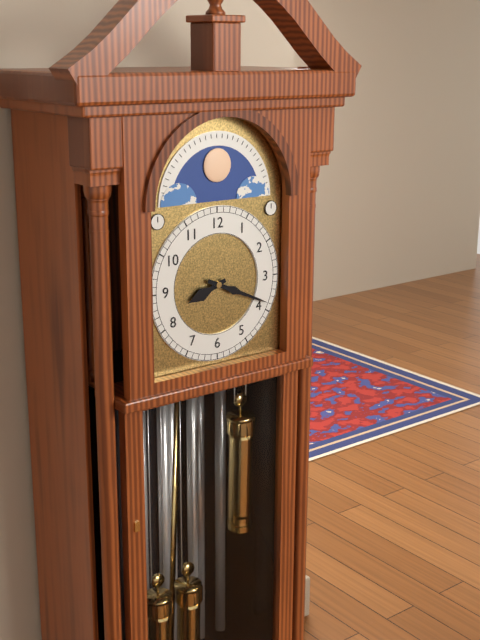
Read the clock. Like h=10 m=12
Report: h=8 m=19
